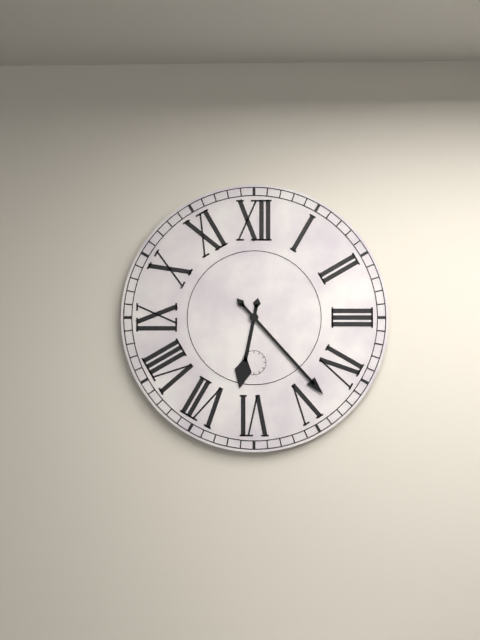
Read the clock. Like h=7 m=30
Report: h=6 m=23
